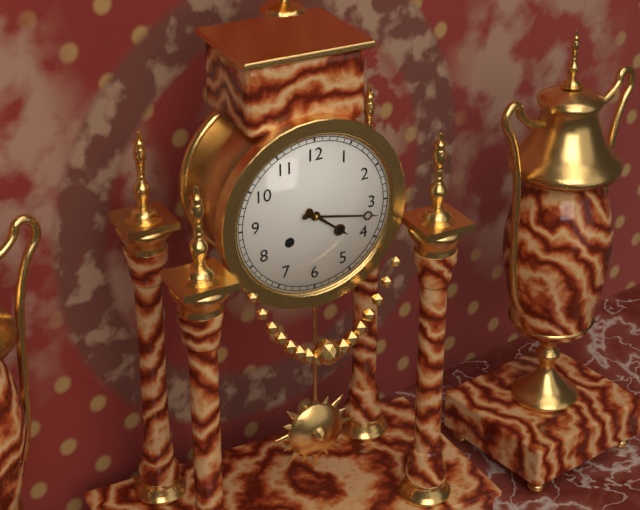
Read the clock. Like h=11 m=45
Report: h=4 m=17
